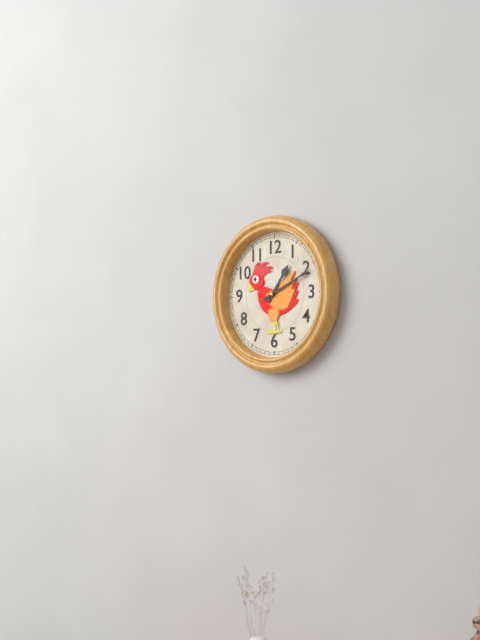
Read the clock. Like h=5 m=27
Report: h=1 m=11
